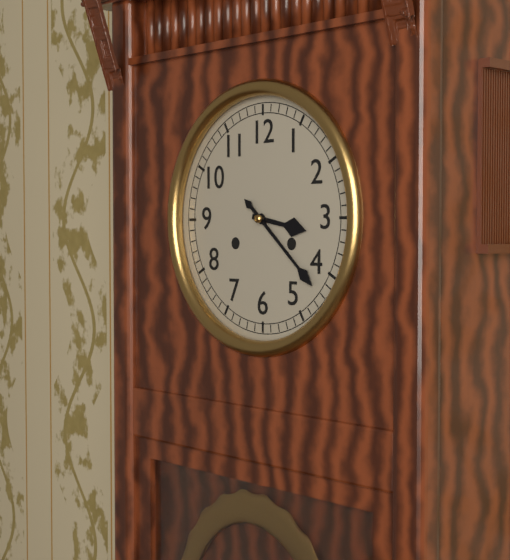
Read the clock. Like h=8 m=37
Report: h=3 m=22
